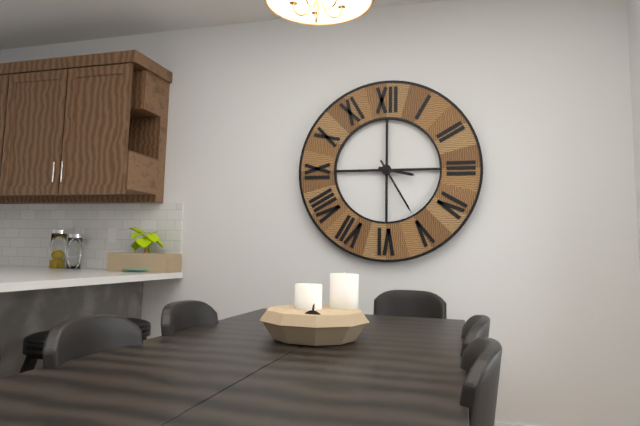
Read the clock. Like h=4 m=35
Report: h=3 m=25
